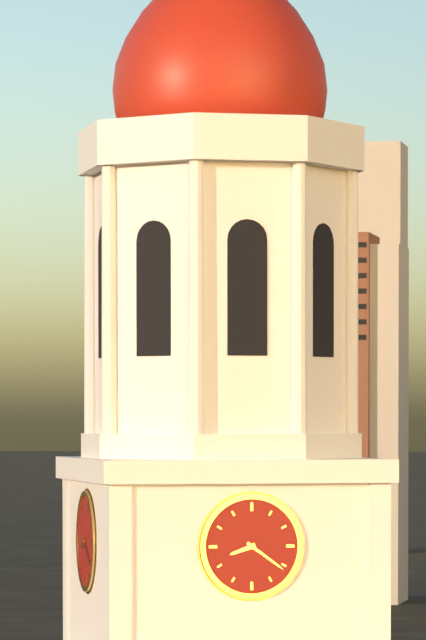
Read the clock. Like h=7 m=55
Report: h=8 m=21
